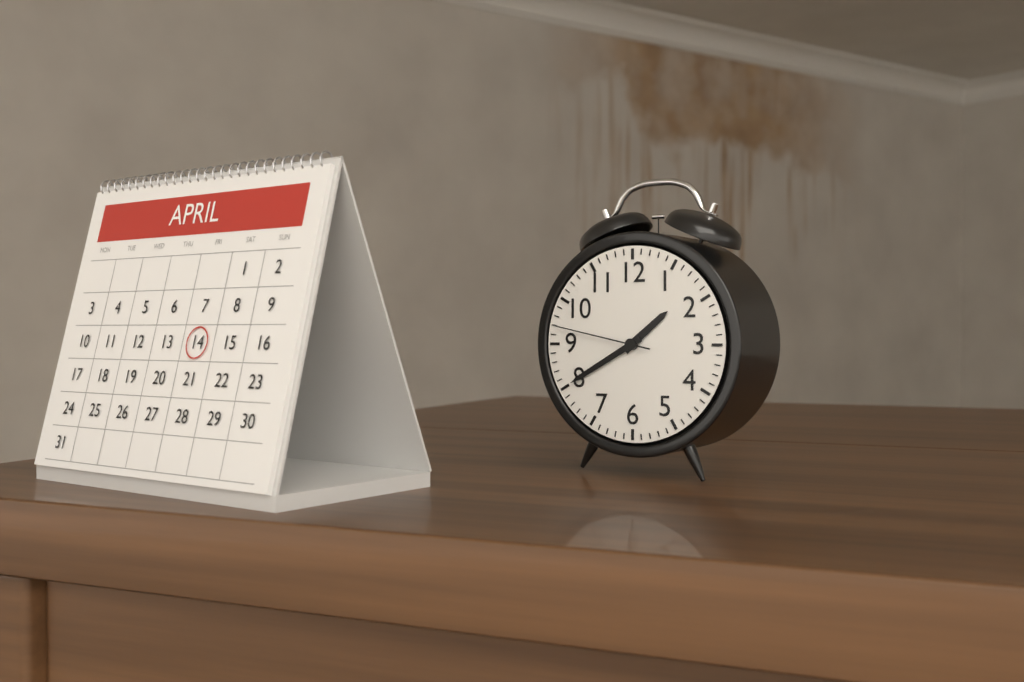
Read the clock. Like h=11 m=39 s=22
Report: h=1 m=40 s=47
